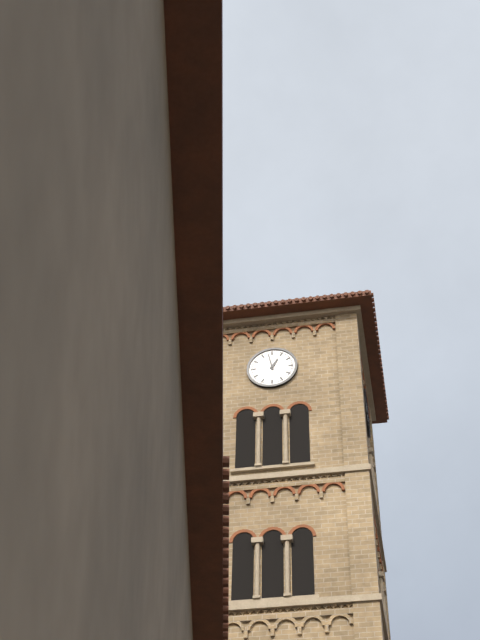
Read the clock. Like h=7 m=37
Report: h=12 m=58
